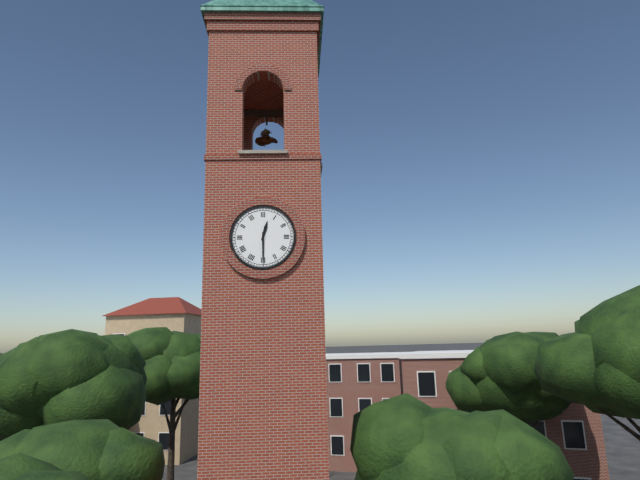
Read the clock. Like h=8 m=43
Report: h=12 m=30
